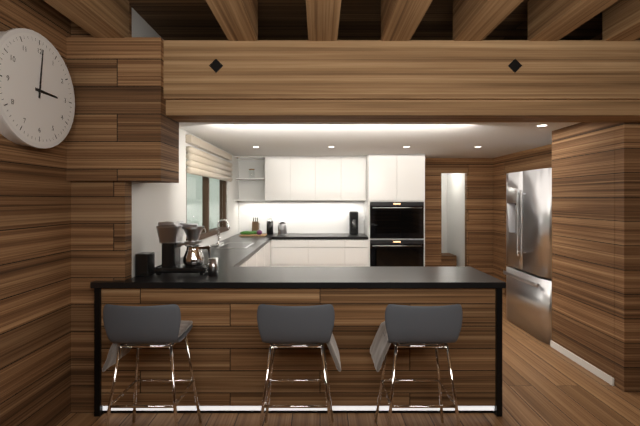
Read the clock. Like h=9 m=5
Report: h=3 m=1
